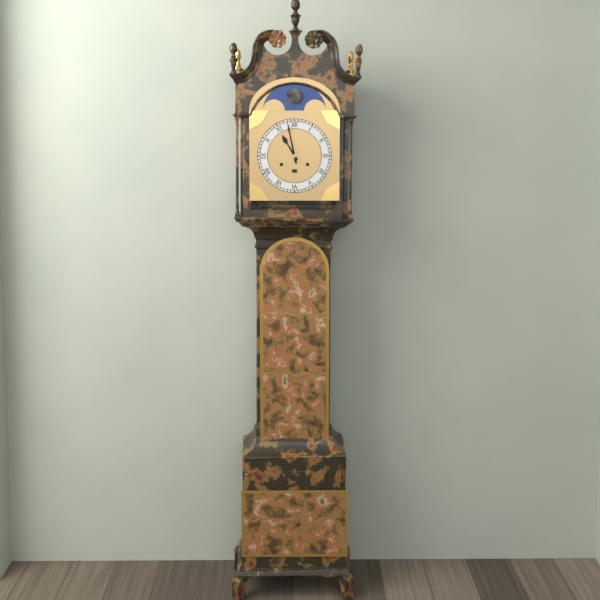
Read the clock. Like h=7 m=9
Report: h=10 m=58
